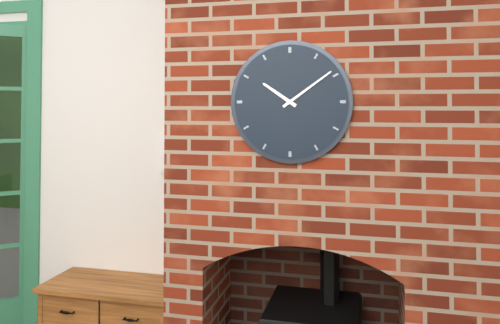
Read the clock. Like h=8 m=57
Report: h=10 m=9
